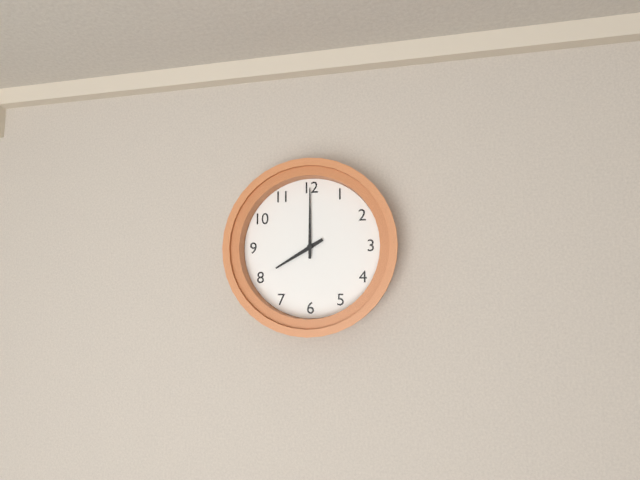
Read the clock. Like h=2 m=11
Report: h=8 m=0
